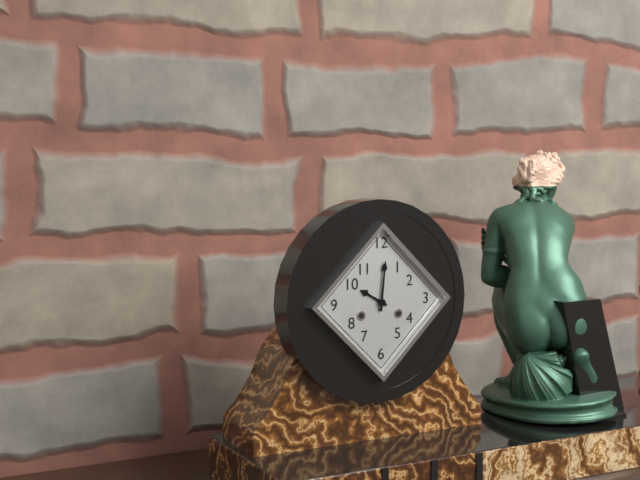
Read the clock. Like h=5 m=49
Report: h=10 m=1
